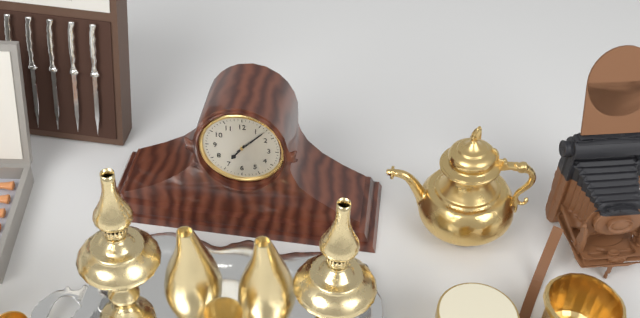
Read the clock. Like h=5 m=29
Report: h=7 m=7
